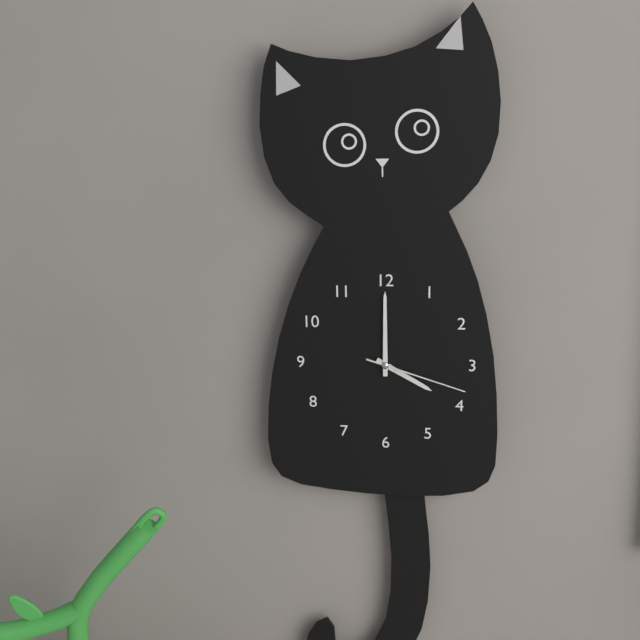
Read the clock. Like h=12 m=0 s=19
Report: h=4 m=0 s=18
